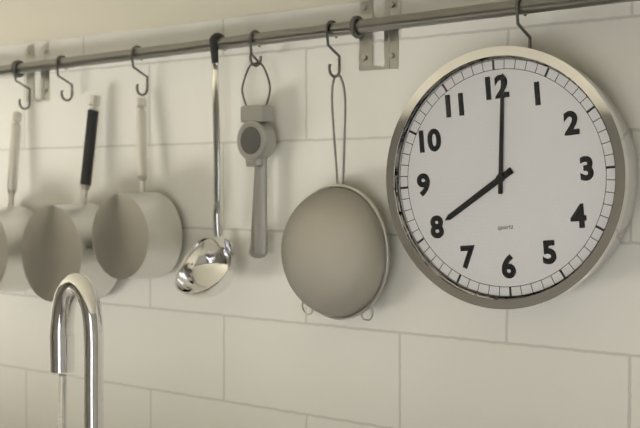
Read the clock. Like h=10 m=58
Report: h=8 m=1
